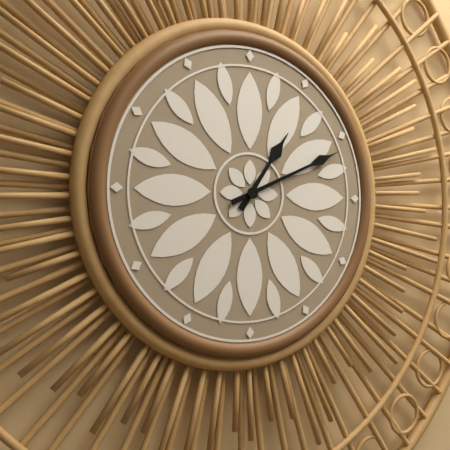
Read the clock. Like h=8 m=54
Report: h=1 m=11
